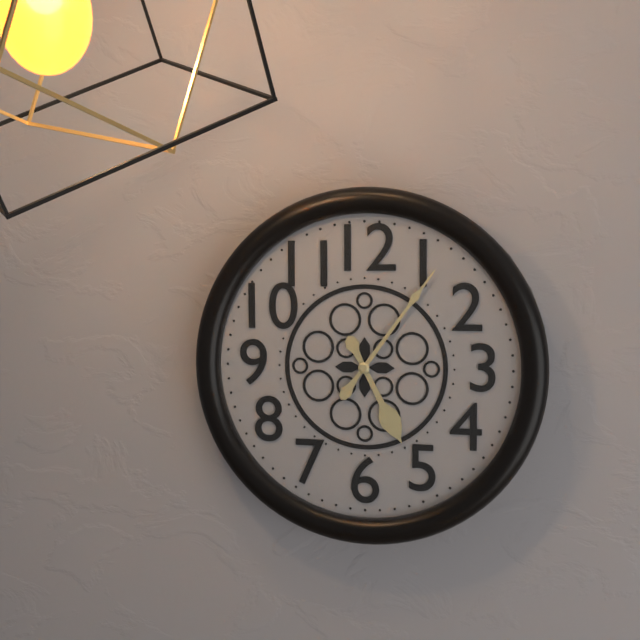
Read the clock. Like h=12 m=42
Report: h=5 m=6
